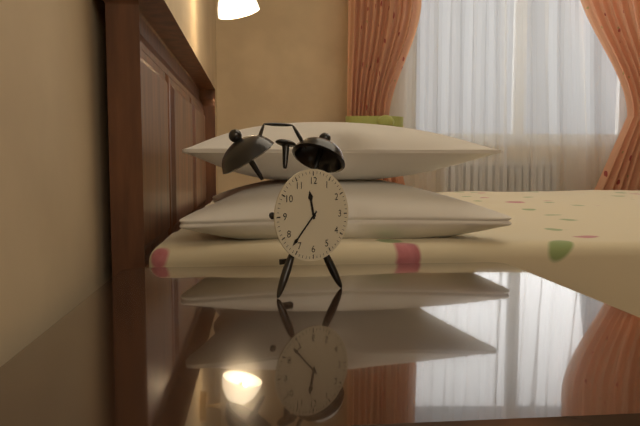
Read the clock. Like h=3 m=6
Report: h=11 m=37
